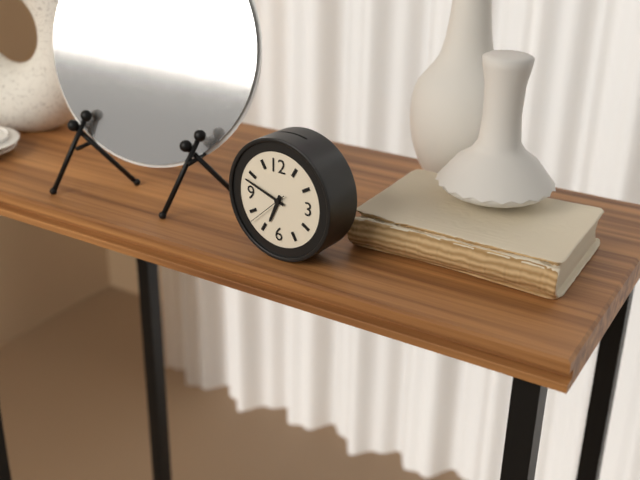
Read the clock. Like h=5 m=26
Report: h=6 m=48
